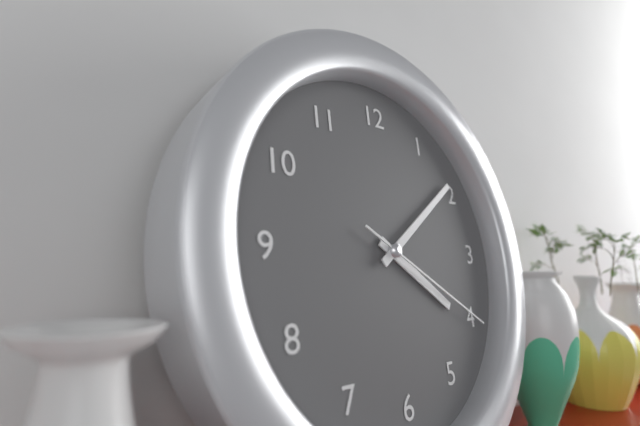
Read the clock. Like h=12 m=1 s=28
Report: h=4 m=9 s=20
